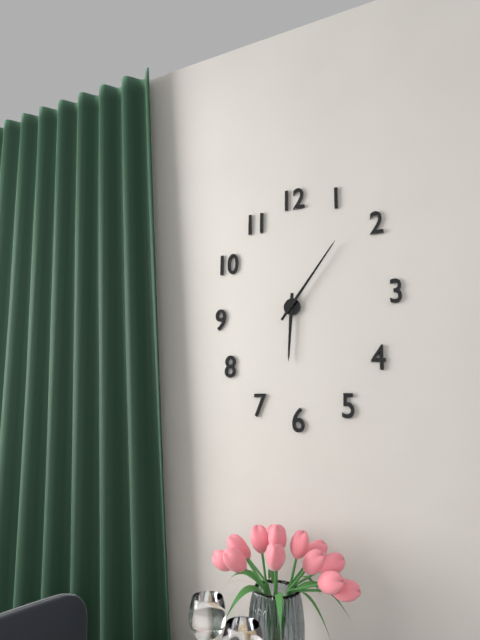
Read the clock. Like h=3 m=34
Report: h=6 m=6
